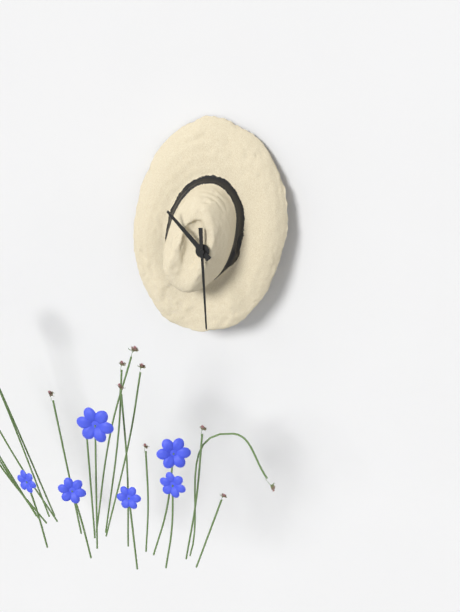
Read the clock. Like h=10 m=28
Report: h=10 m=29
